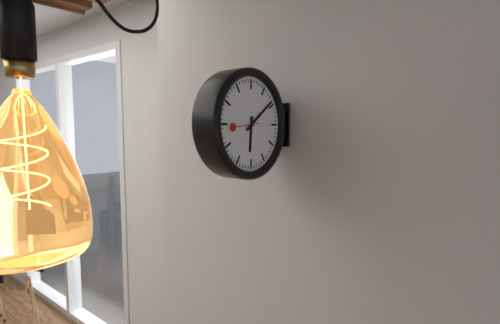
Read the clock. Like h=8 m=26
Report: h=6 m=9
